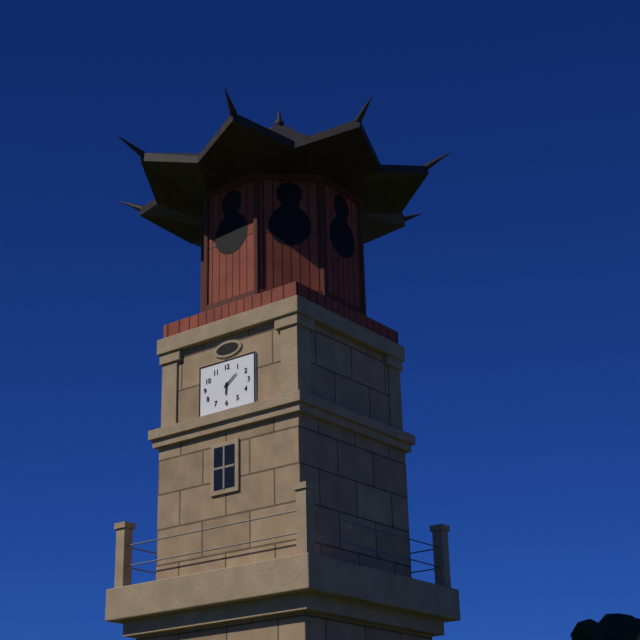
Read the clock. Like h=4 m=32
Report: h=6 m=9
